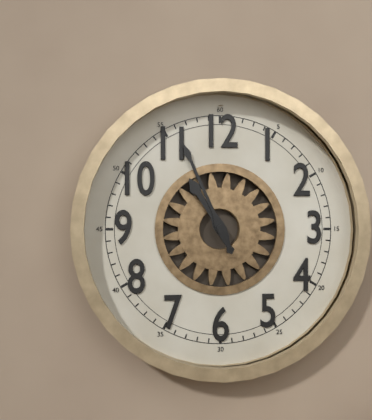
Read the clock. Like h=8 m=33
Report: h=10 m=56
